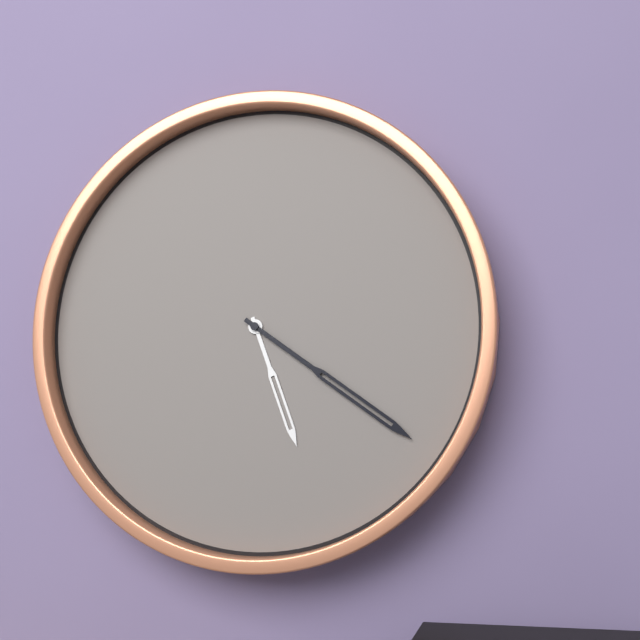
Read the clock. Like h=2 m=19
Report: h=5 m=21
